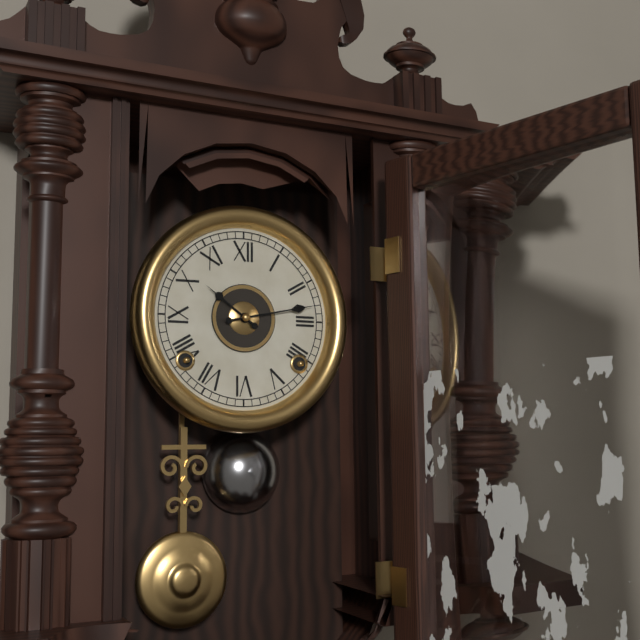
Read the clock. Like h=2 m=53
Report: h=10 m=13
